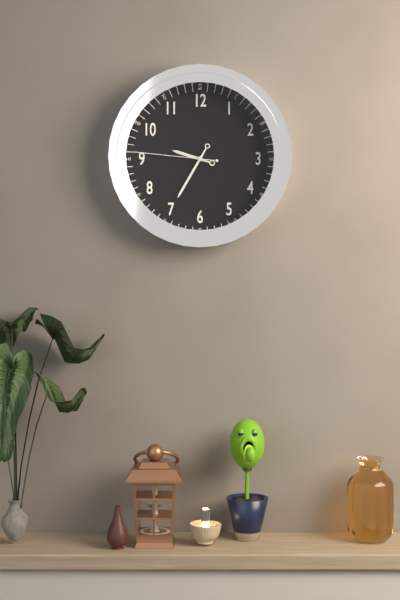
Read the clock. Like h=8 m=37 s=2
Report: h=9 m=35 s=46
